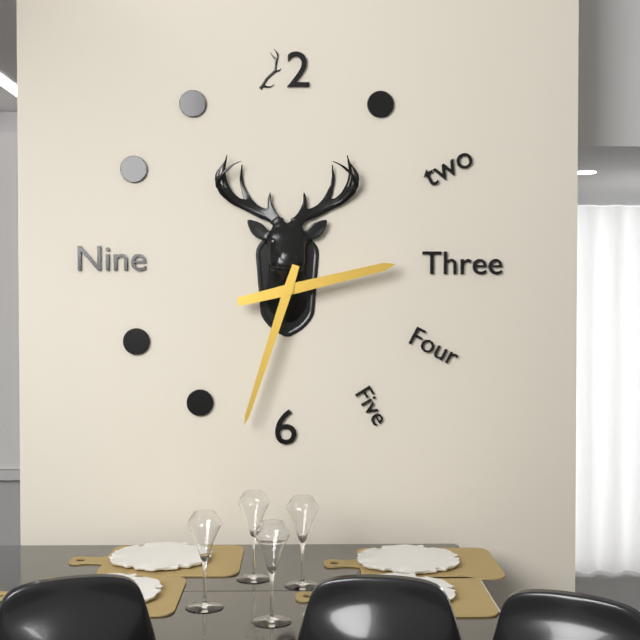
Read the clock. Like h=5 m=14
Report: h=2 m=33
